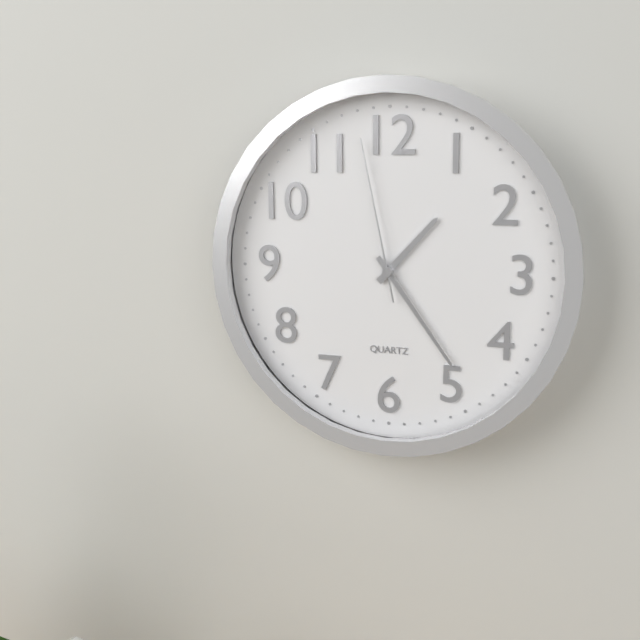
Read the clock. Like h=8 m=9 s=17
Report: h=1 m=24 s=58
